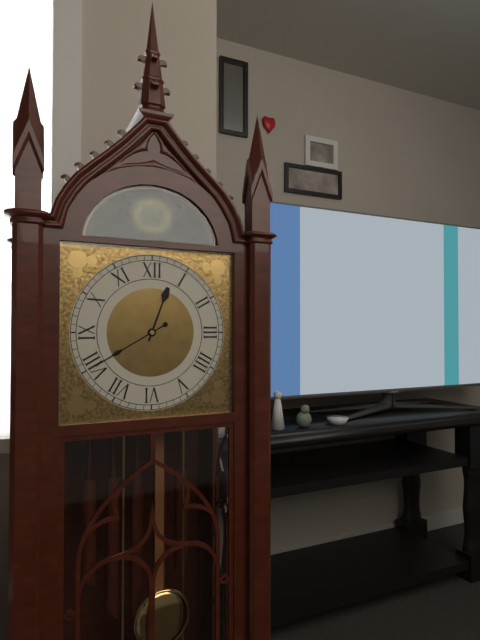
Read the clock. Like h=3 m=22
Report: h=12 m=40
